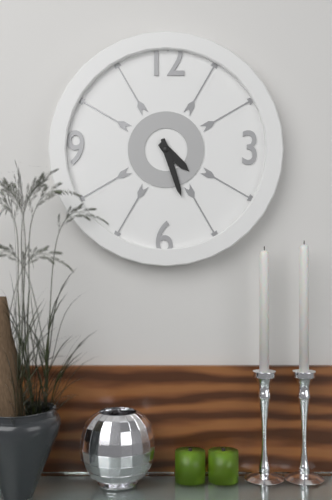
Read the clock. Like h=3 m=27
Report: h=4 m=27
